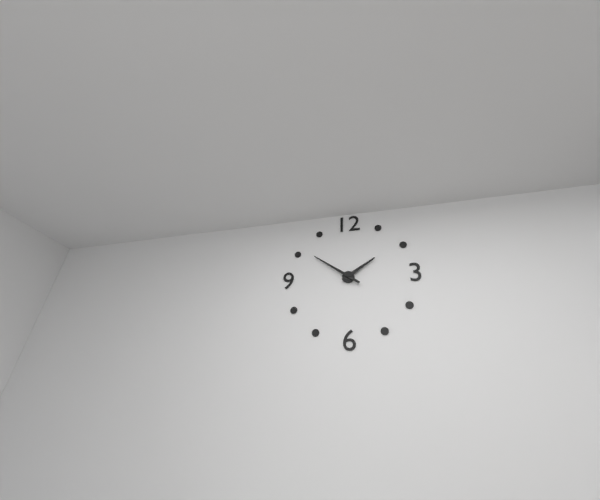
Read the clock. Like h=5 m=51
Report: h=1 m=51
